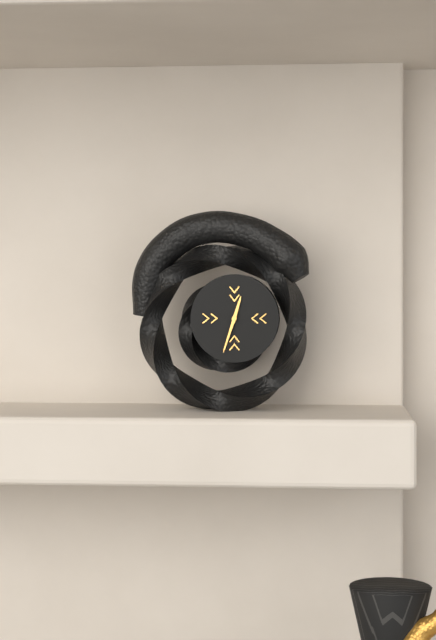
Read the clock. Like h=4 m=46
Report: h=12 m=33
